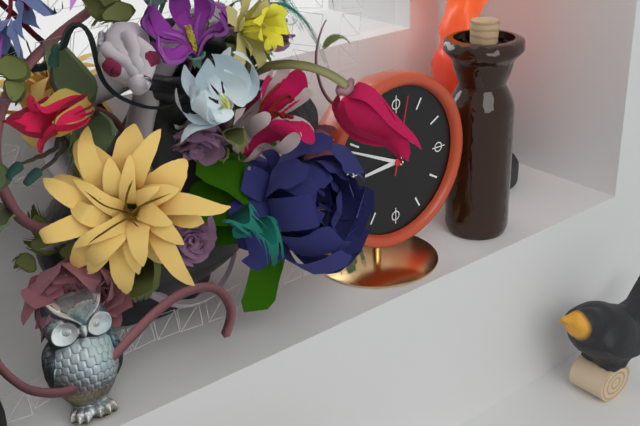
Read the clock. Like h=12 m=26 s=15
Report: h=8 m=49 s=2
